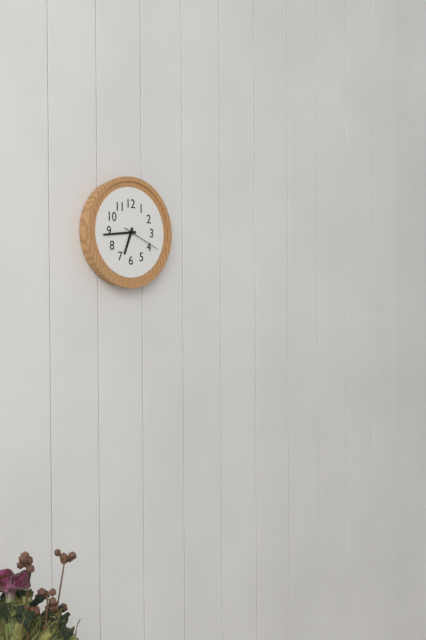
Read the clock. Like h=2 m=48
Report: h=6 m=44
